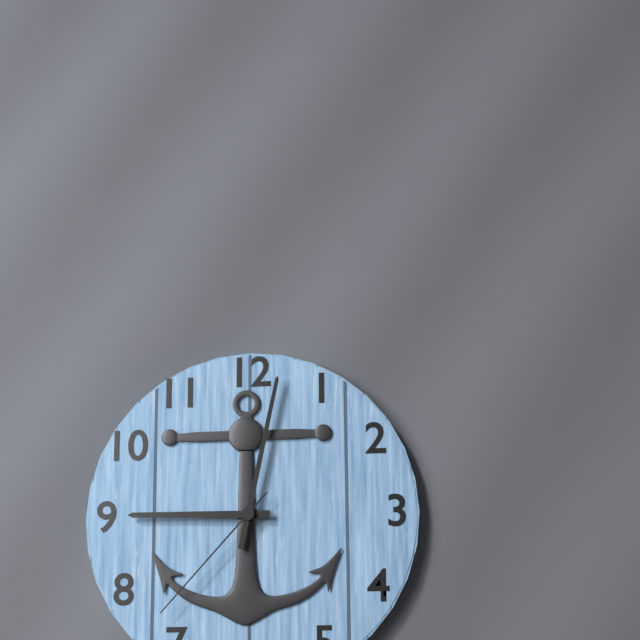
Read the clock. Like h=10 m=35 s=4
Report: h=9 m=2 s=37
